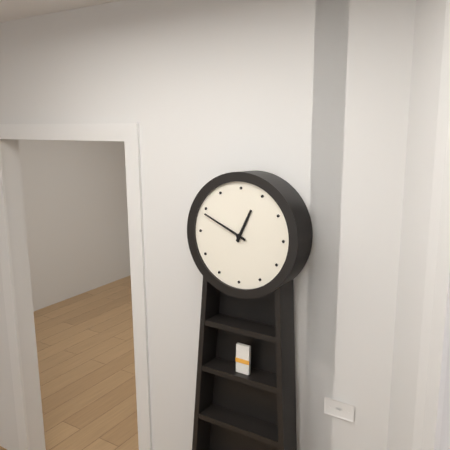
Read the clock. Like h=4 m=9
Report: h=12 m=49
